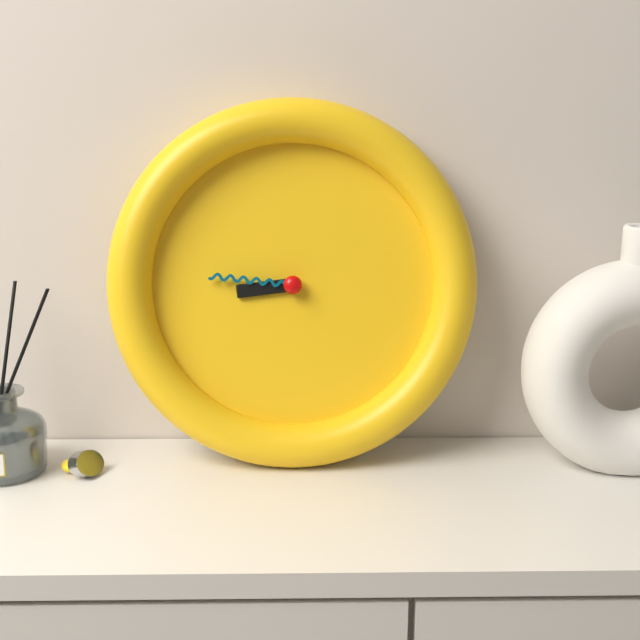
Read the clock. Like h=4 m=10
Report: h=8 m=46
